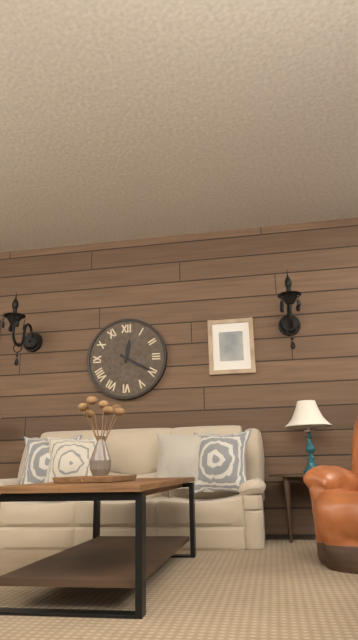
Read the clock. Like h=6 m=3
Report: h=12 m=20
